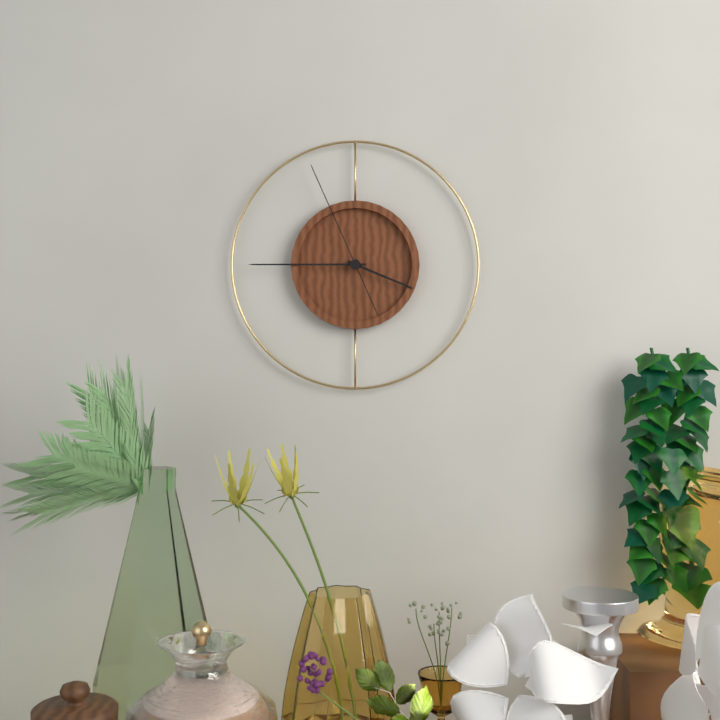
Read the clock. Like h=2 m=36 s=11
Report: h=3 m=45 s=56
